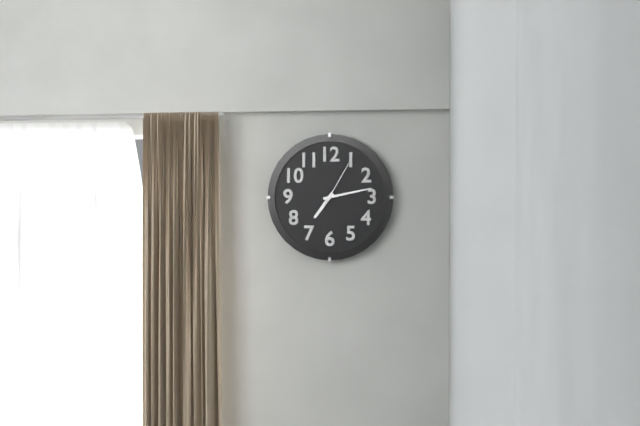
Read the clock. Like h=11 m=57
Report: h=7 m=13
